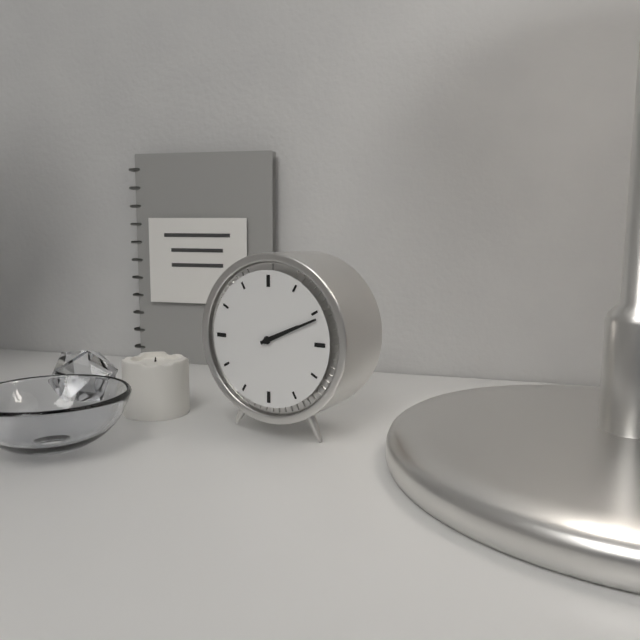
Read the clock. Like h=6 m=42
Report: h=2 m=11
